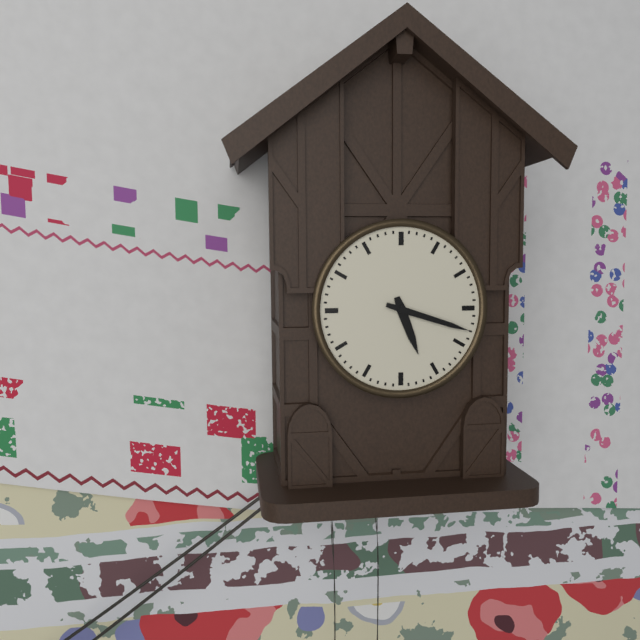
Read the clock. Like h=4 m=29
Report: h=5 m=18
